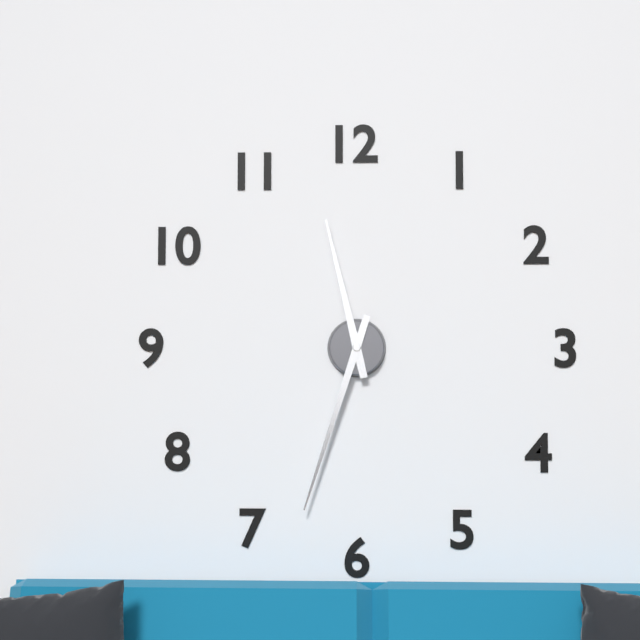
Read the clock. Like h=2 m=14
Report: h=11 m=33
